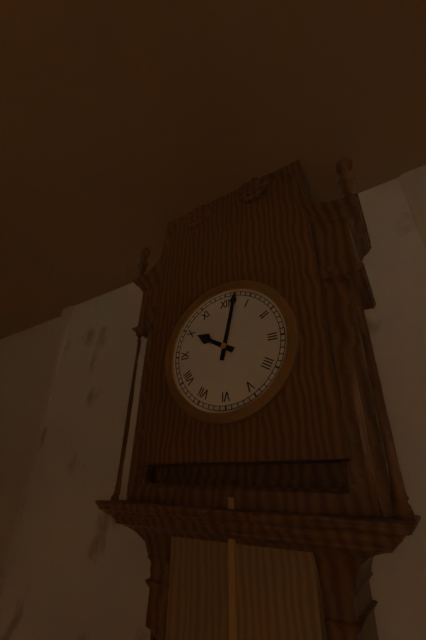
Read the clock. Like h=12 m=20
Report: h=10 m=2
